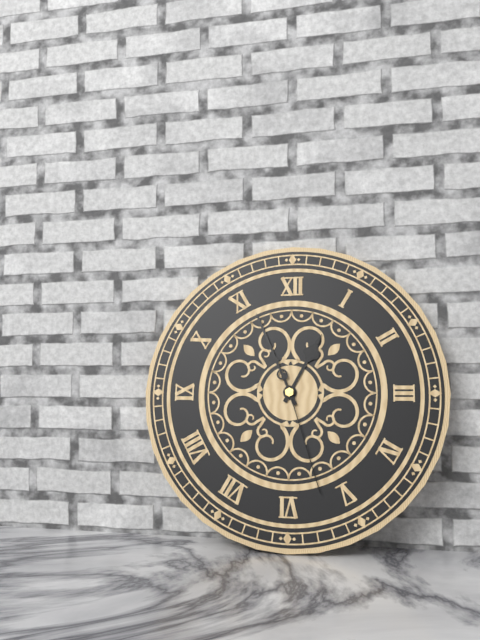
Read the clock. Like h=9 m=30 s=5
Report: h=12 m=56 s=27
